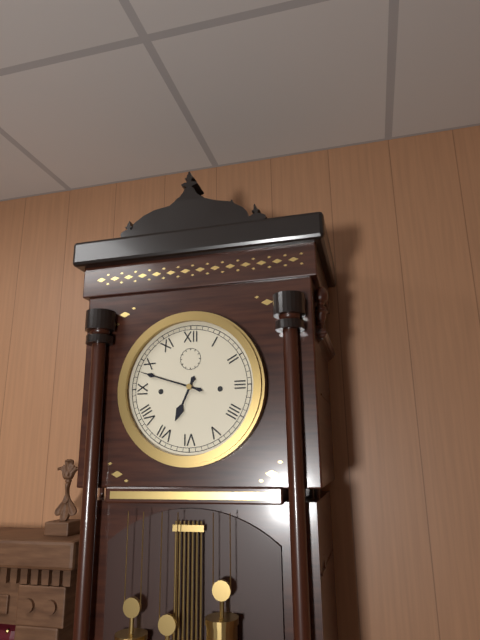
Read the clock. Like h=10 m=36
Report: h=6 m=48
